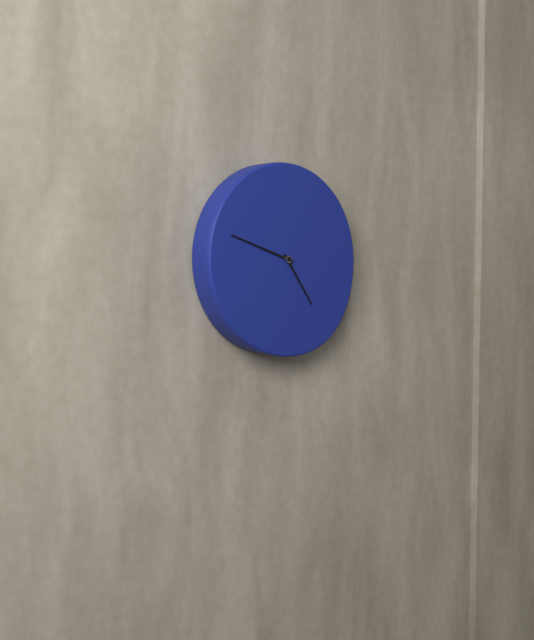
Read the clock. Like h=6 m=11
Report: h=4 m=48
